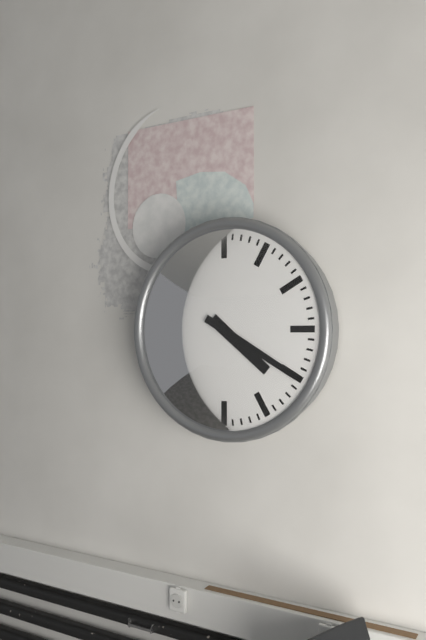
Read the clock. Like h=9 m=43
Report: h=4 m=20
